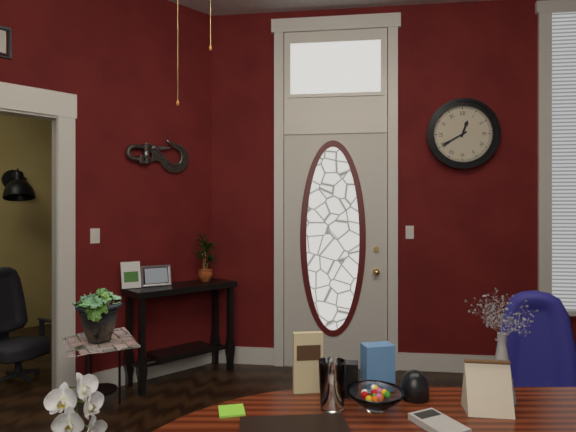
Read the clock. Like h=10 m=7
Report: h=12 m=40
